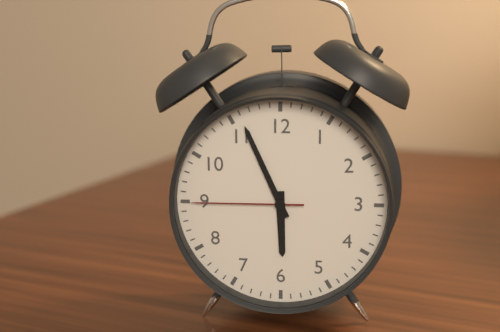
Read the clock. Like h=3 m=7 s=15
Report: h=5 m=56 s=45
